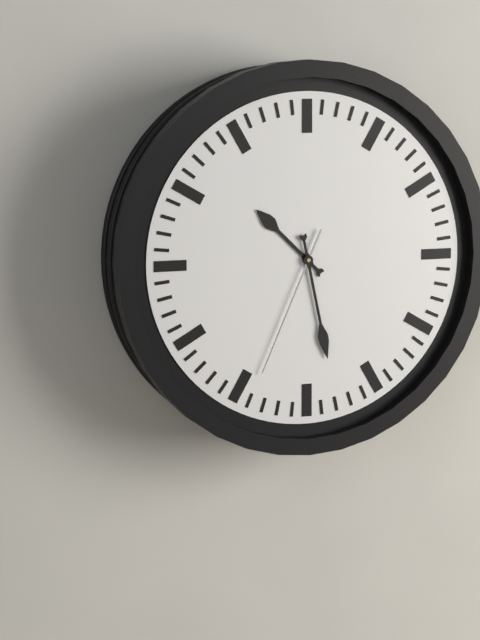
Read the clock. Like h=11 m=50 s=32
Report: h=10 m=28 s=34
